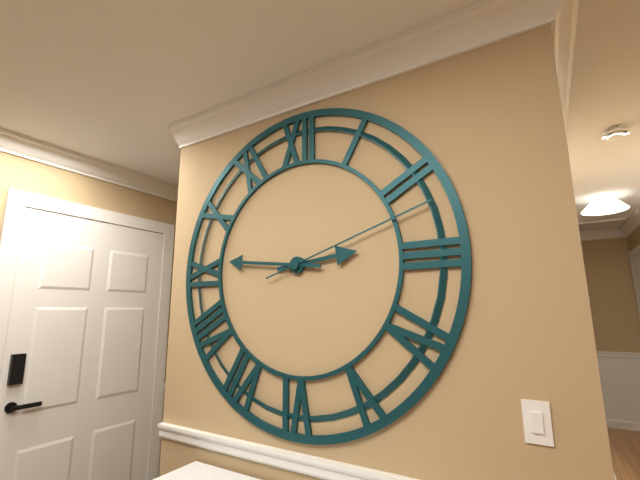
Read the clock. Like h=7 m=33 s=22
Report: h=2 m=46 s=12
